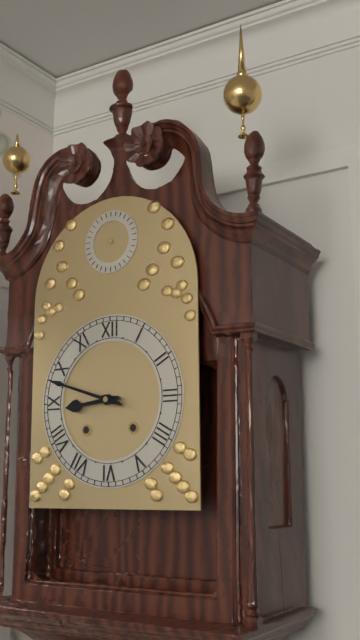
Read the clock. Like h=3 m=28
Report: h=8 m=48
